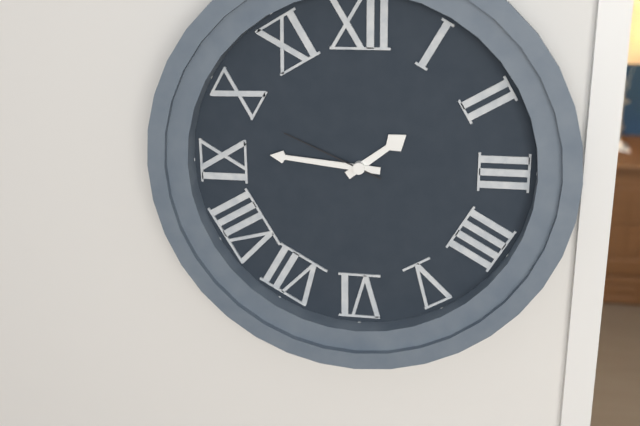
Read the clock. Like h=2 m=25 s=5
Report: h=1 m=46 s=49
